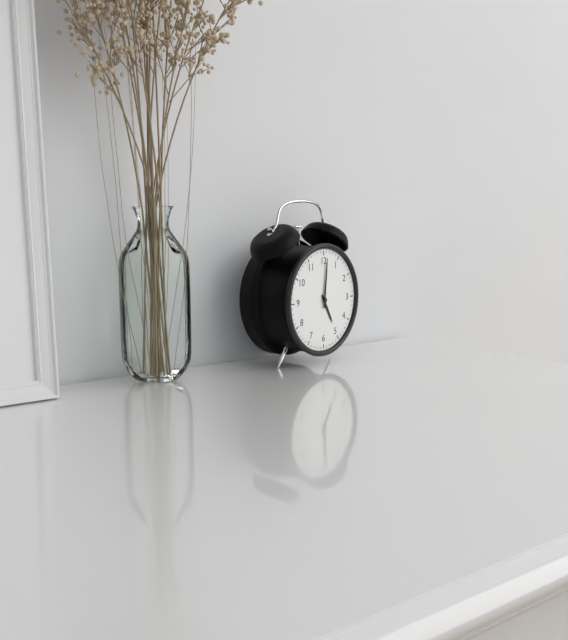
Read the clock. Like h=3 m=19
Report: h=5 m=1
